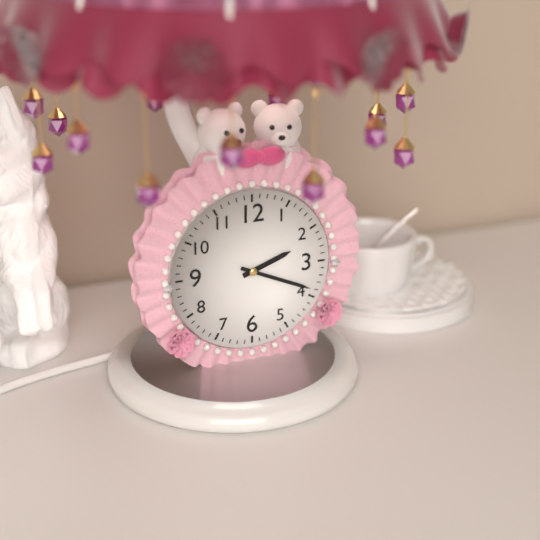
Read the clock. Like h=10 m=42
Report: h=2 m=19
